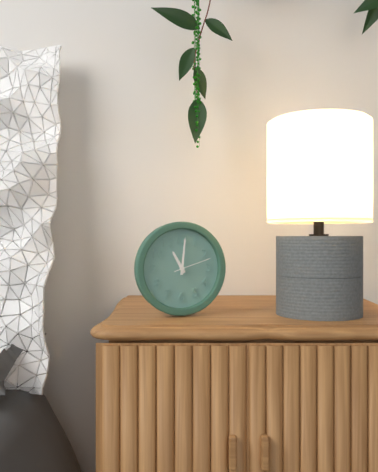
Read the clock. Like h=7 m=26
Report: h=11 m=1
